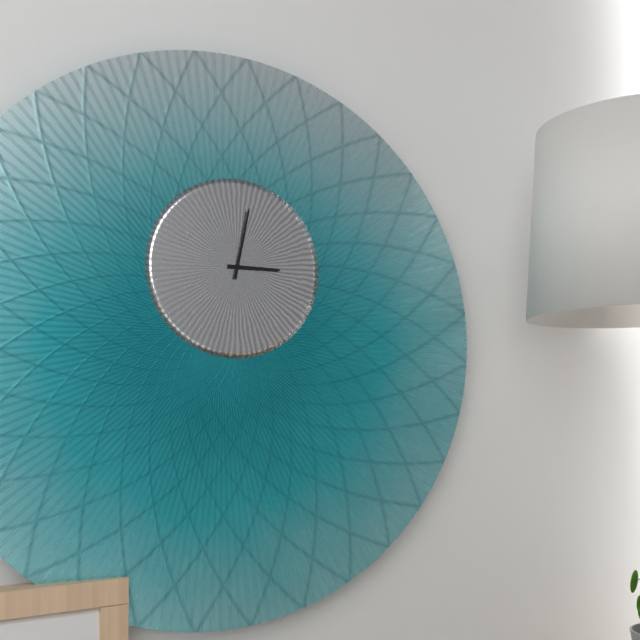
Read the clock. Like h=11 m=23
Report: h=3 m=2
